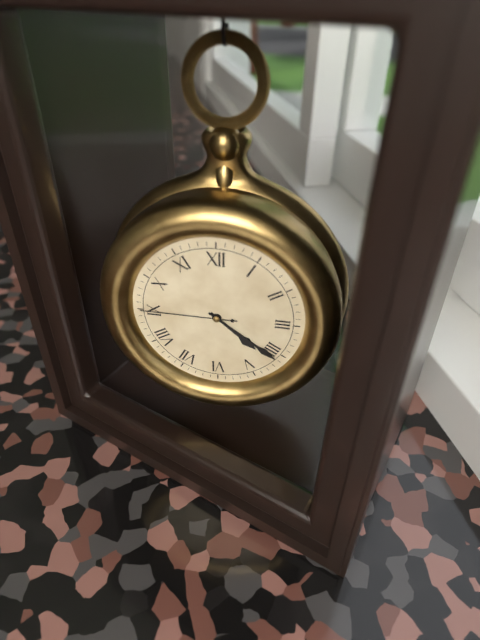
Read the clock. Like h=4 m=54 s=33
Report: h=4 m=21 s=45
